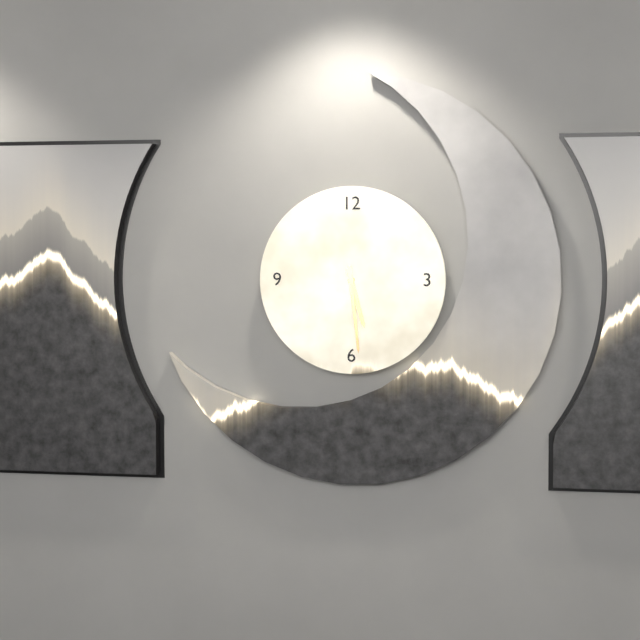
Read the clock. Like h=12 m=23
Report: h=5 m=29
